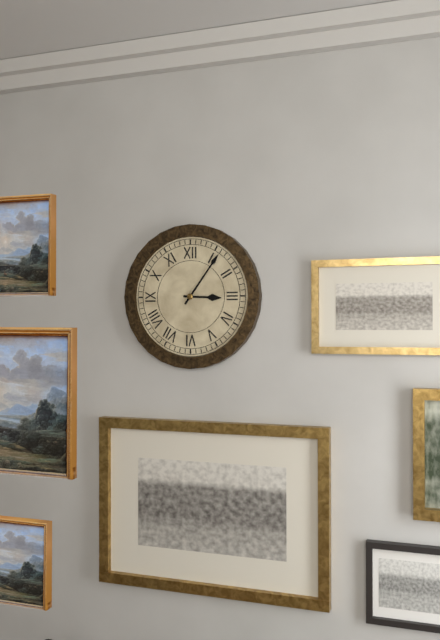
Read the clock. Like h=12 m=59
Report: h=3 m=6
